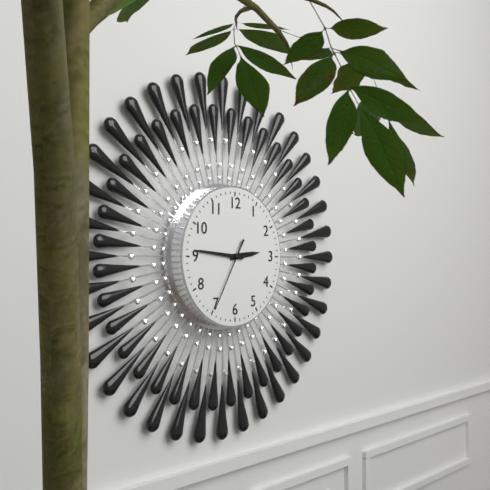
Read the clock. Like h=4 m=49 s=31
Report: h=2 m=46 s=35
